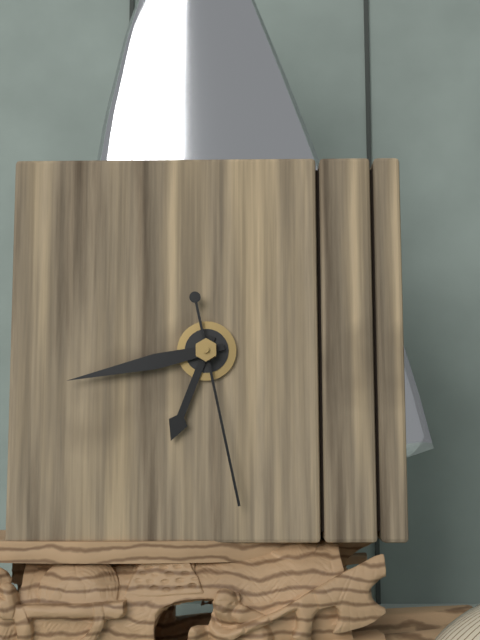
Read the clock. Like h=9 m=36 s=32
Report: h=6 m=43 s=28
